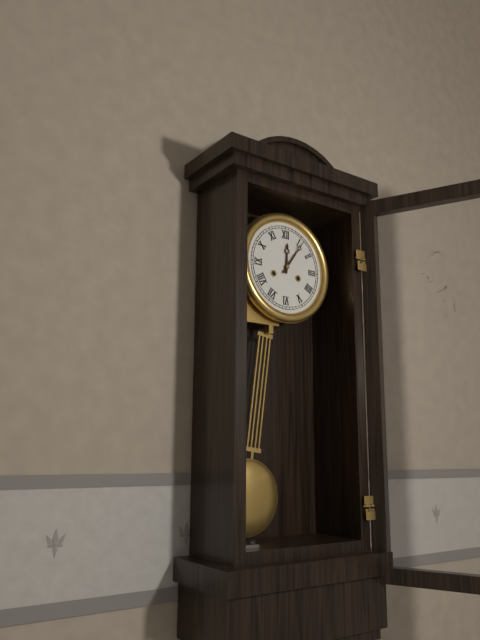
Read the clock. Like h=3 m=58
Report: h=12 m=6
